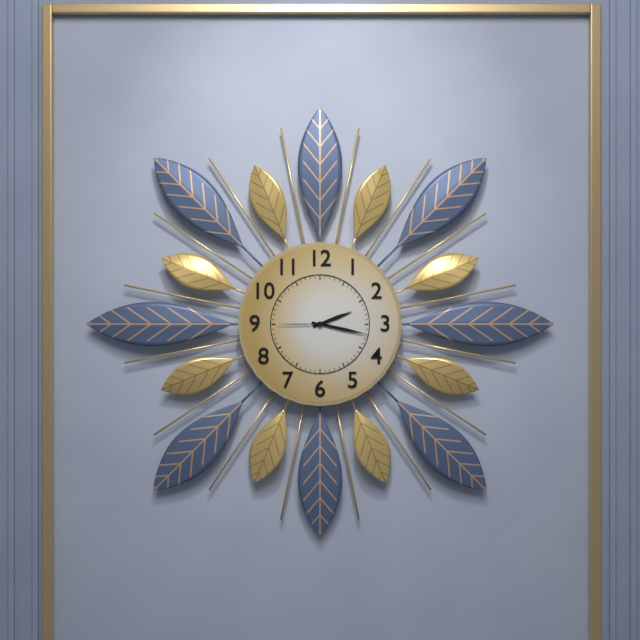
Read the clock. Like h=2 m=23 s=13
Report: h=2 m=17 s=45
